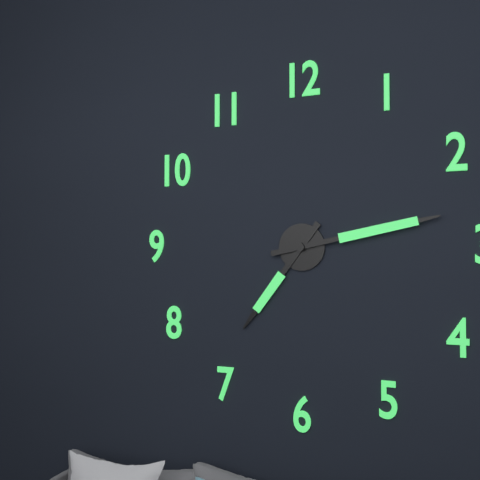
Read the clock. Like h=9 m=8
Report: h=7 m=13
